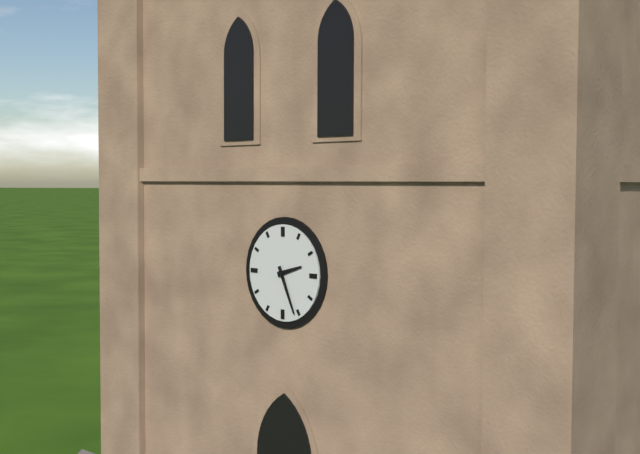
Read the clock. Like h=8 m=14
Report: h=2 m=26
